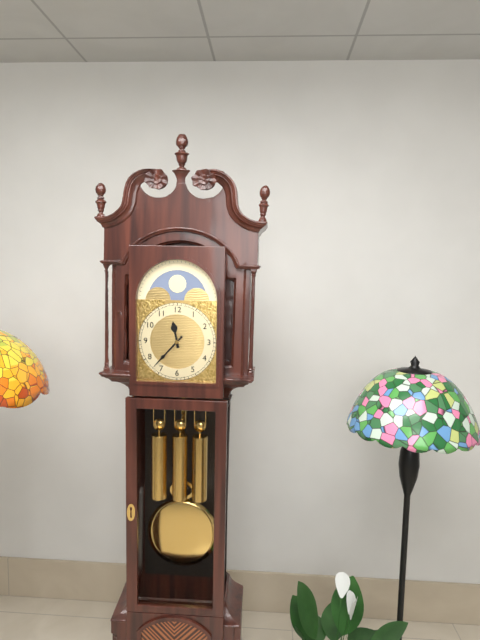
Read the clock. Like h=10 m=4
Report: h=11 m=37
